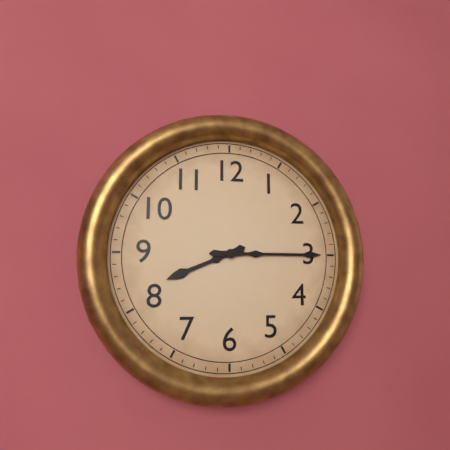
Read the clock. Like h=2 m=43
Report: h=8 m=15
